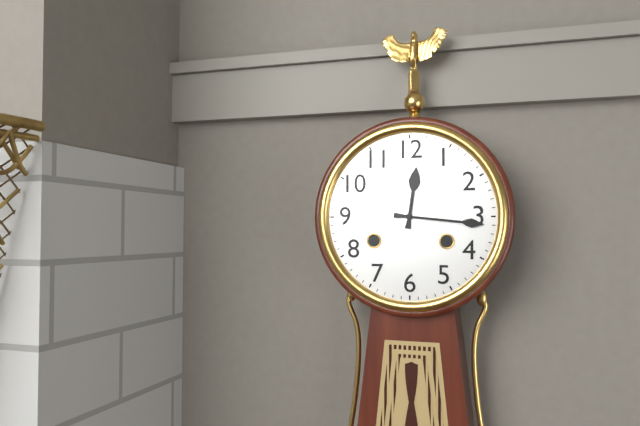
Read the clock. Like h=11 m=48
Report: h=12 m=16
